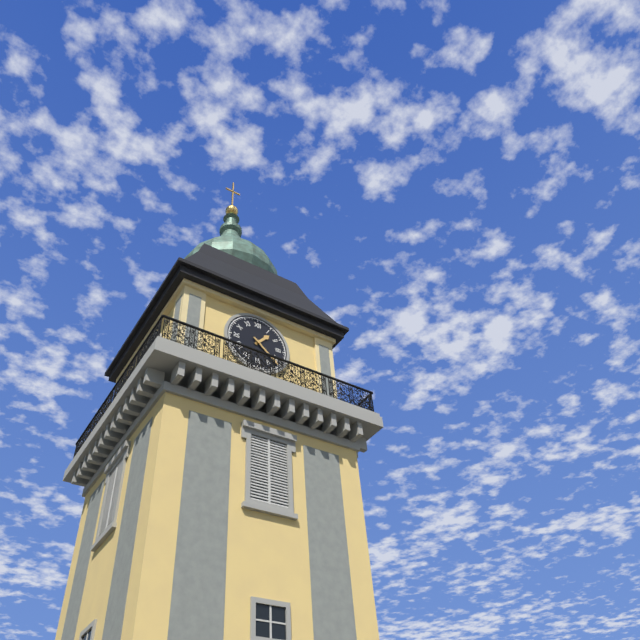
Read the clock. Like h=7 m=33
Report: h=1 m=22
